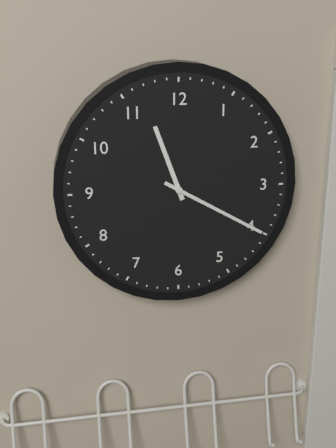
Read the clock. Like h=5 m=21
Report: h=11 m=20
